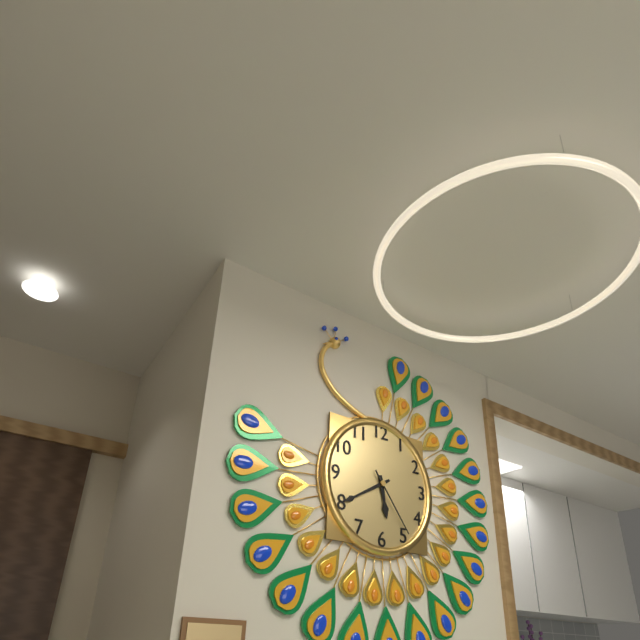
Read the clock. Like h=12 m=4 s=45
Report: h=5 m=40 s=24
